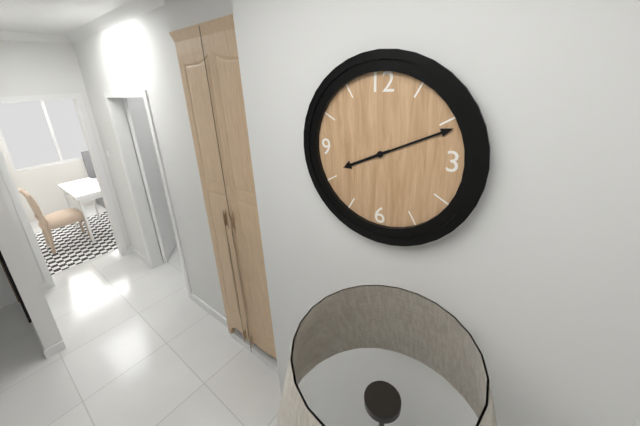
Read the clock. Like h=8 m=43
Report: h=8 m=11
